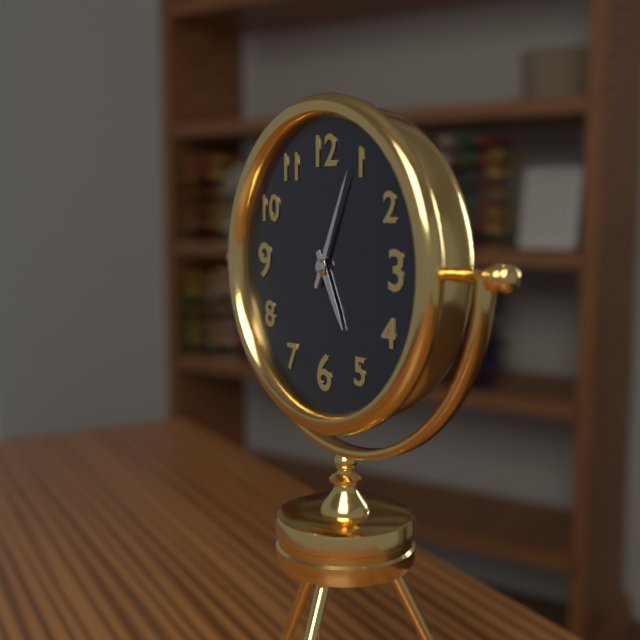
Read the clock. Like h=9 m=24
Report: h=5 m=4
